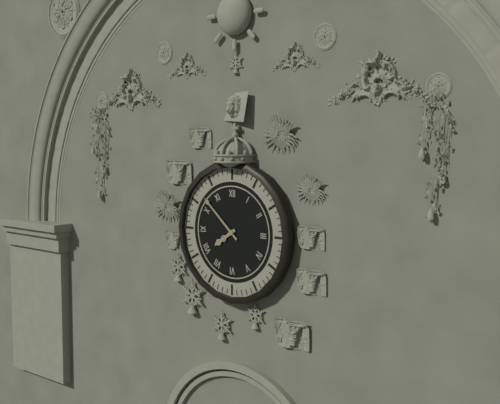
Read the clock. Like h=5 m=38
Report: h=7 m=52
